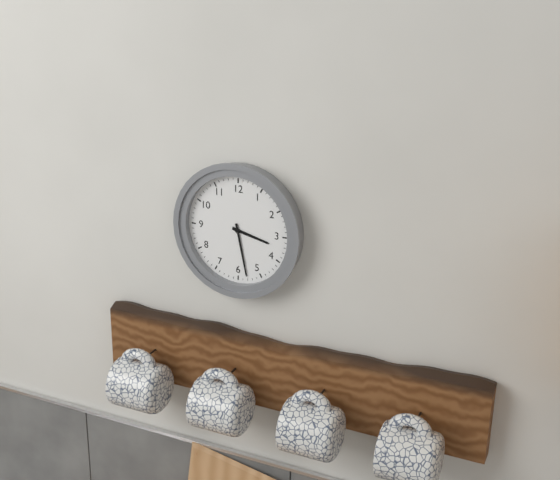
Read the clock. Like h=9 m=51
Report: h=3 m=28
